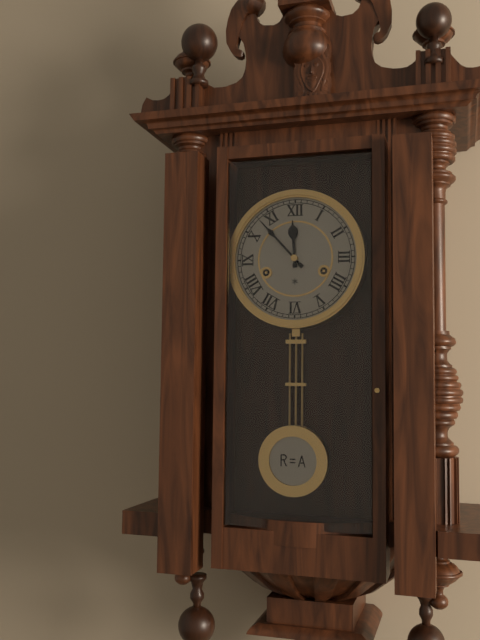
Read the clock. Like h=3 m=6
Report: h=11 m=53
